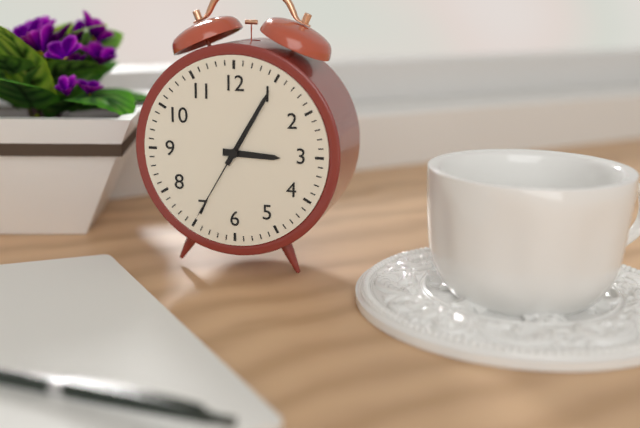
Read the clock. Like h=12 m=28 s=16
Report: h=3 m=5 s=35
